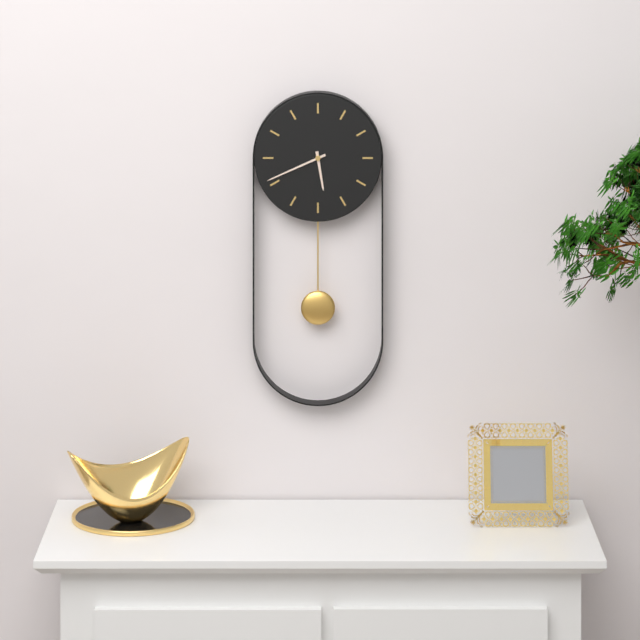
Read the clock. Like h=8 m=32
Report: h=5 m=41
